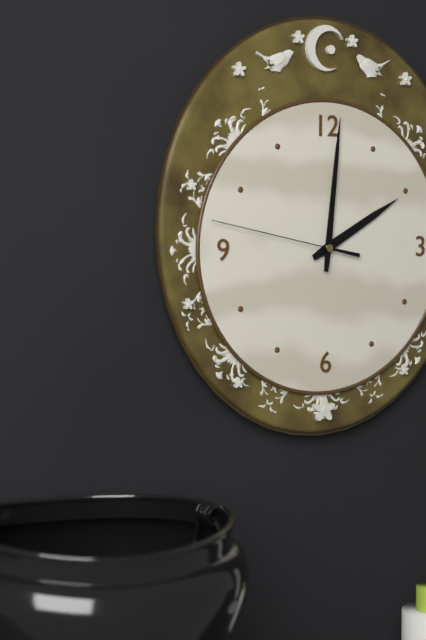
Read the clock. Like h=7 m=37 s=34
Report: h=2 m=1 s=47
